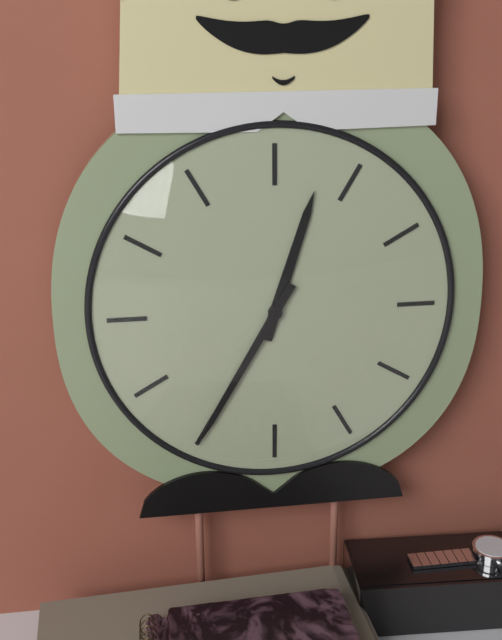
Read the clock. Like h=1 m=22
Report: h=12 m=35
